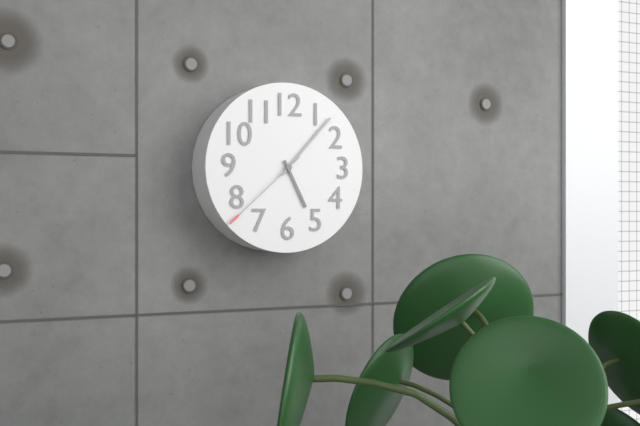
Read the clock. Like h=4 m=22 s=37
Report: h=5 m=7 s=38
